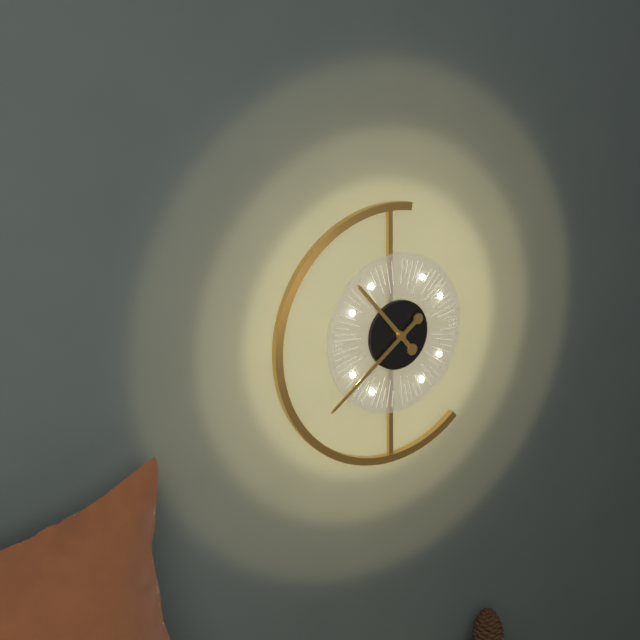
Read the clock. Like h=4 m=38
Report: h=10 m=39
